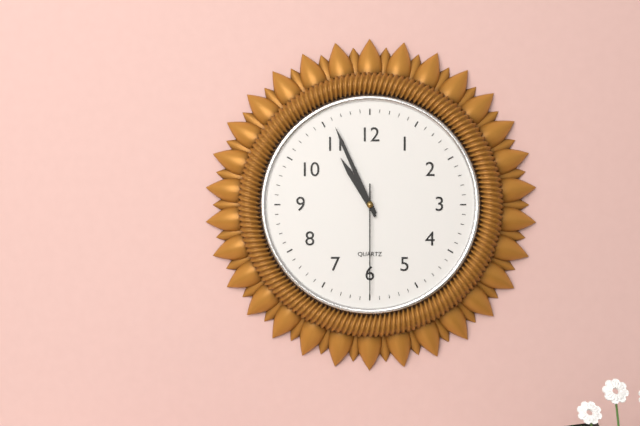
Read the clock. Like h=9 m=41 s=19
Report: h=10 m=56 s=30
